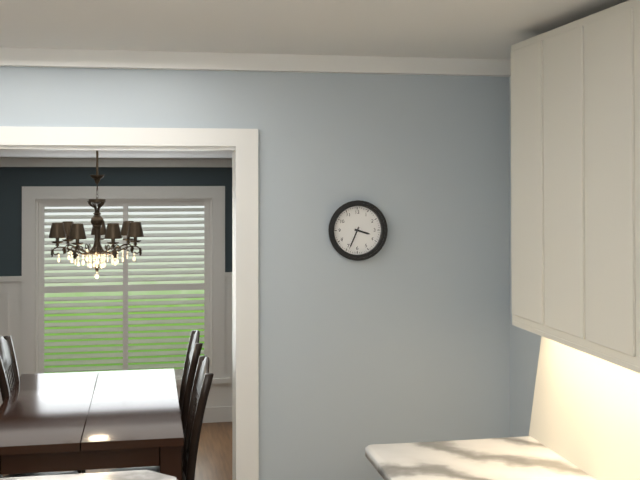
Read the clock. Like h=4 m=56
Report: h=3 m=34
